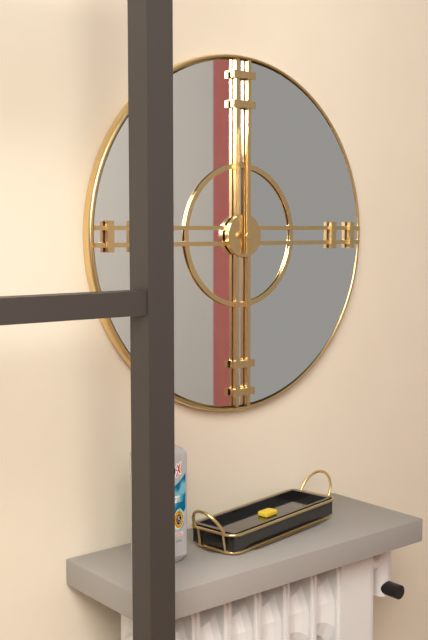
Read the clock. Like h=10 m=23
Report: h=12 m=0
